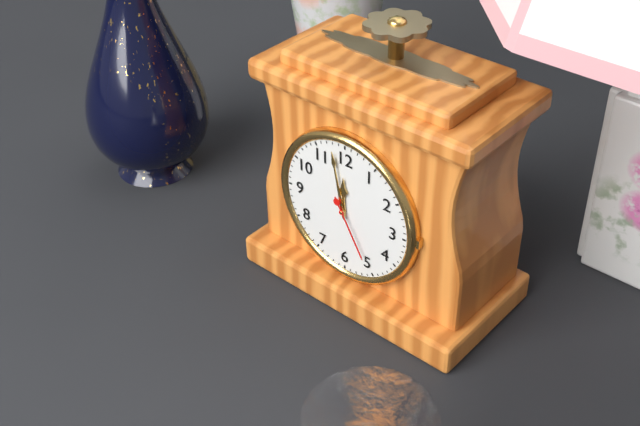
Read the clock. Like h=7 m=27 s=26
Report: h=11 m=58 s=25
